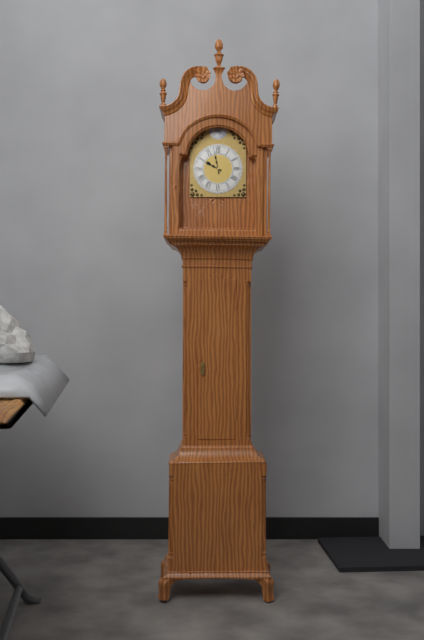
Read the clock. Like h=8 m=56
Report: h=9 m=58
